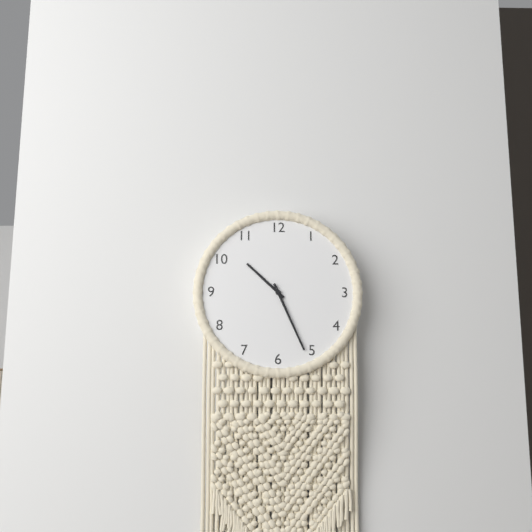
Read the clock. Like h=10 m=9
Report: h=10 m=26
